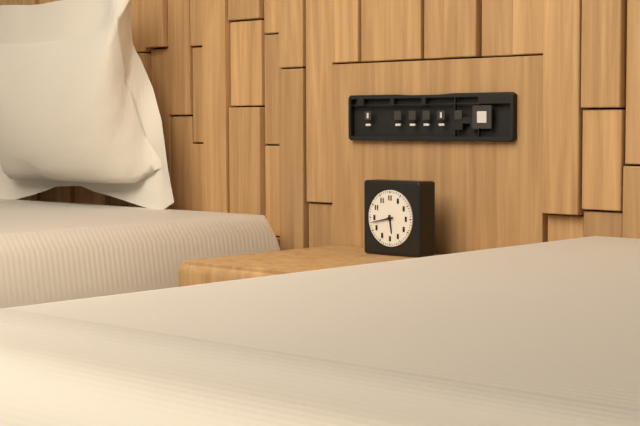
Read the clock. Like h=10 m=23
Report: h=5 m=43
